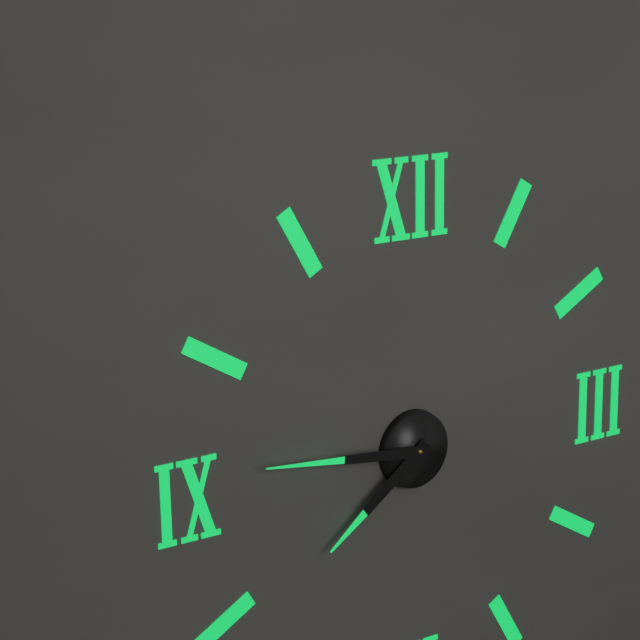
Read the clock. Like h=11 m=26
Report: h=7 m=46
